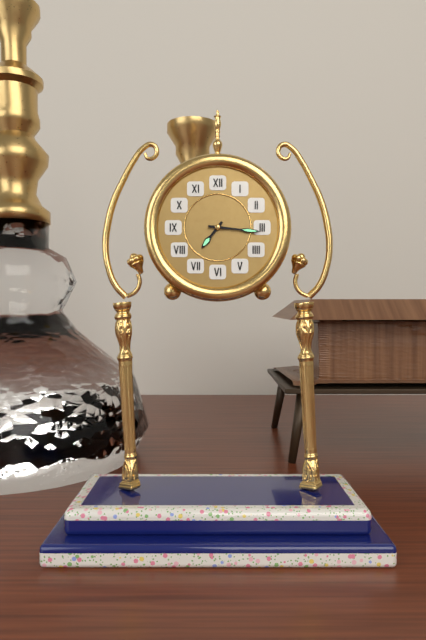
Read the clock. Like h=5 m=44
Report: h=7 m=16
